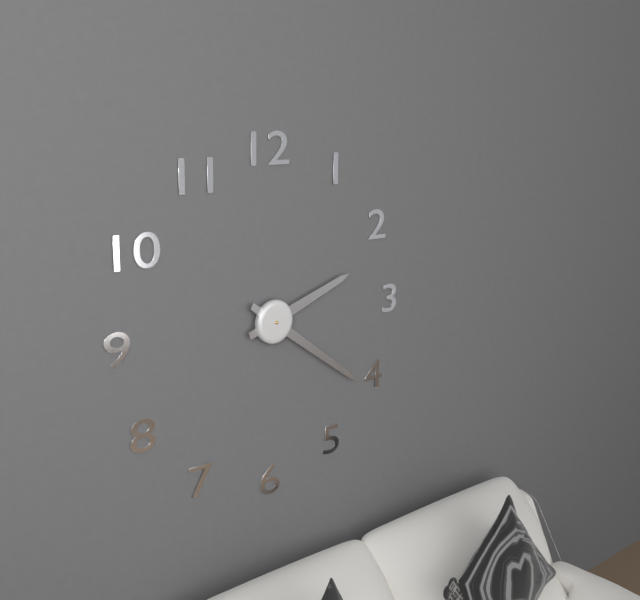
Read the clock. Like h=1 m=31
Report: h=2 m=21
